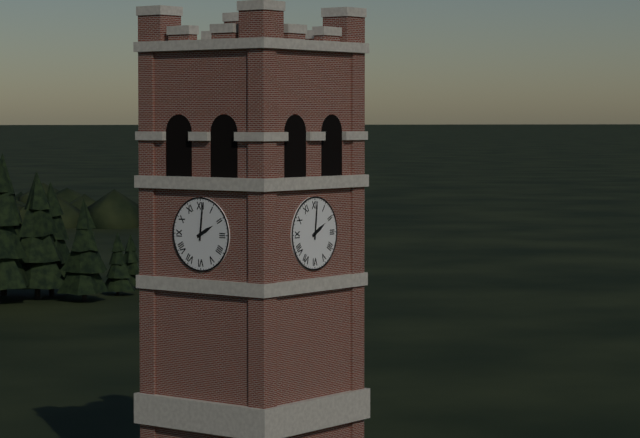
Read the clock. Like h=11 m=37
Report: h=2 m=1
